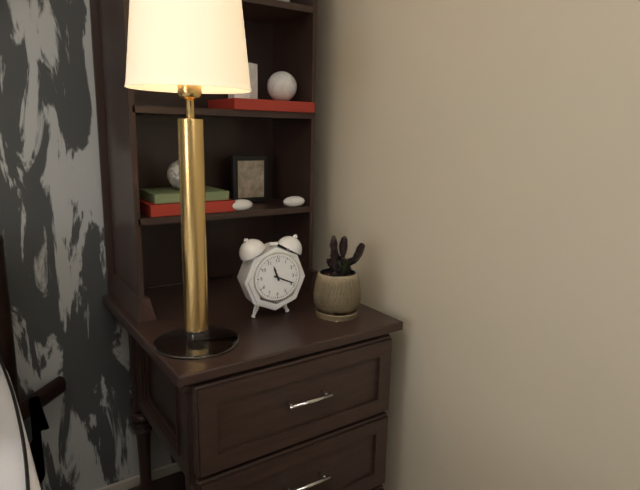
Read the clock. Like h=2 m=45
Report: h=11 m=19
